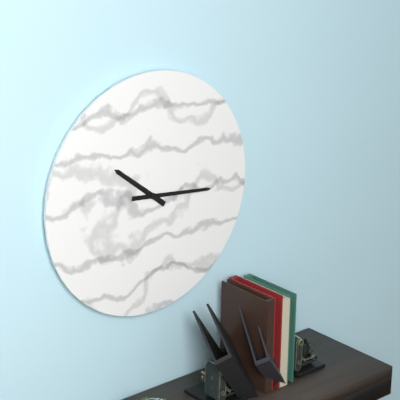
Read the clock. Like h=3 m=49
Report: h=10 m=16
